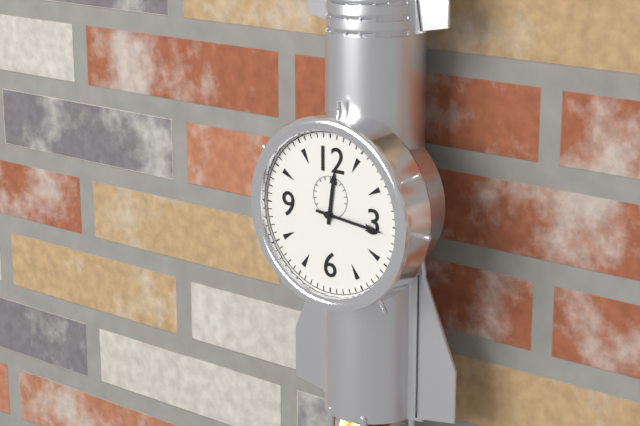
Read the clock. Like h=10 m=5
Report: h=12 m=16
